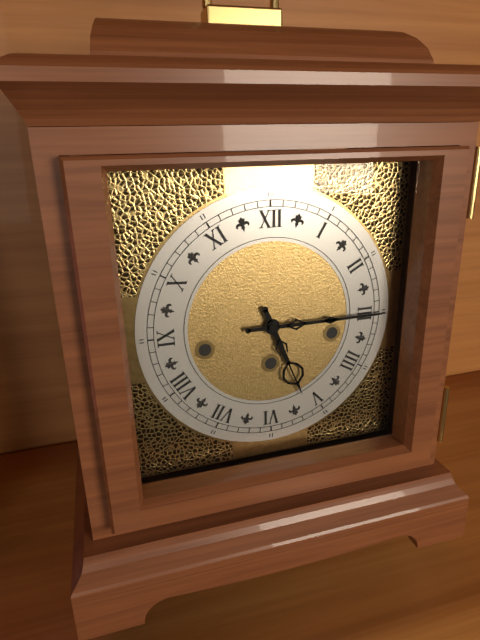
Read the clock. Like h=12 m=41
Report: h=5 m=15
